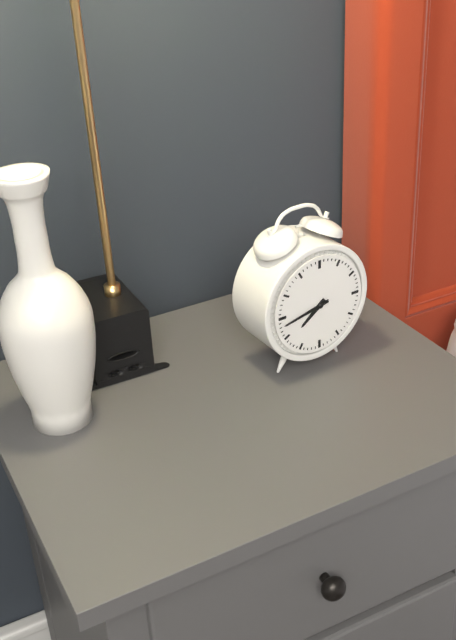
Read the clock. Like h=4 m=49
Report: h=7 m=43
